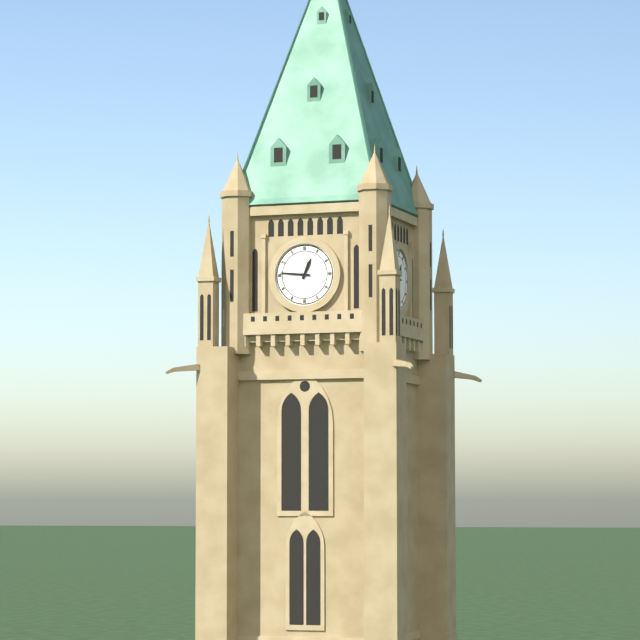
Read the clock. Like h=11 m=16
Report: h=12 m=46
